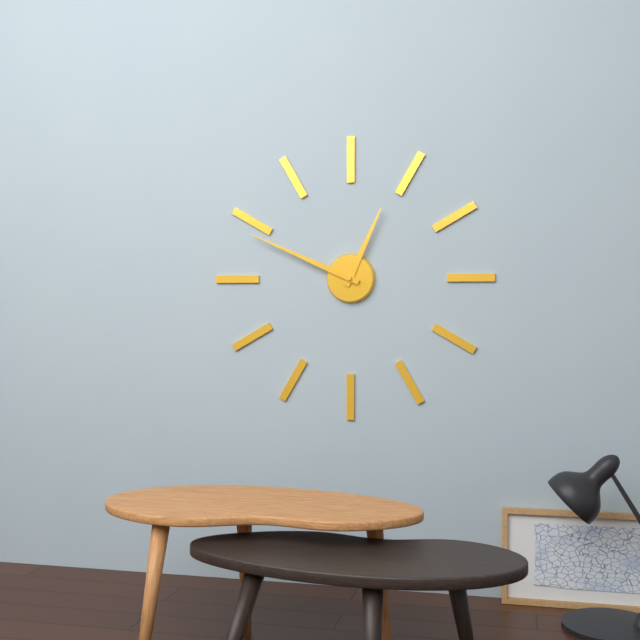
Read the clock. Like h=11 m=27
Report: h=12 m=49
